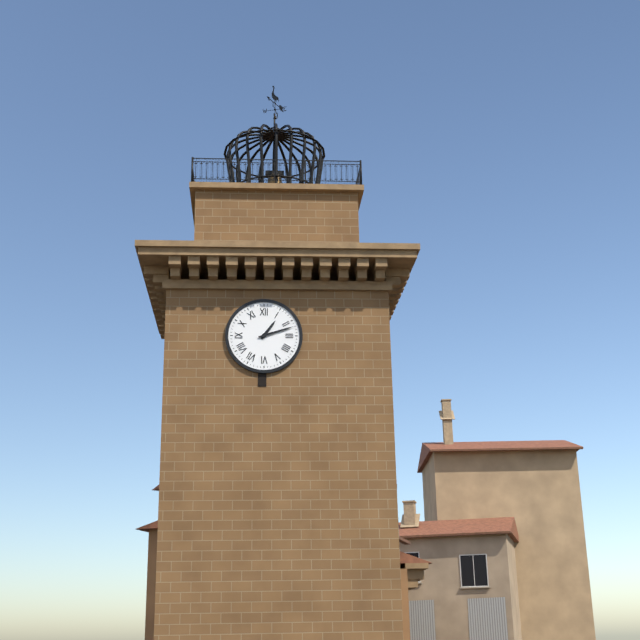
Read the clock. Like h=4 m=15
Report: h=1 m=12
